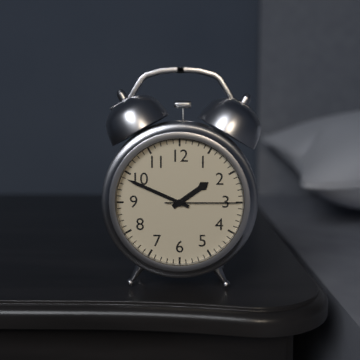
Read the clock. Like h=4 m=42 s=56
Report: h=1 m=49 s=15
